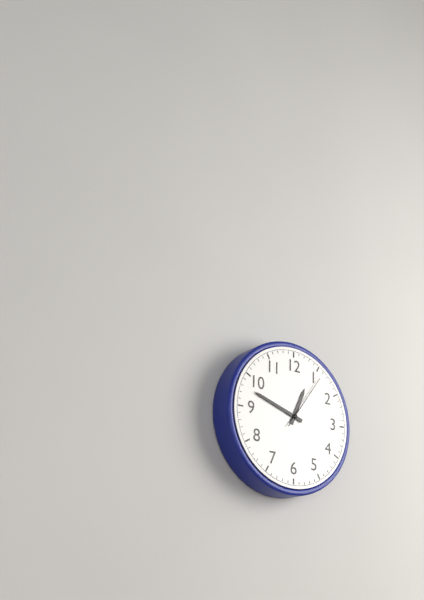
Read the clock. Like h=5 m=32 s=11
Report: h=12 m=48 s=6
